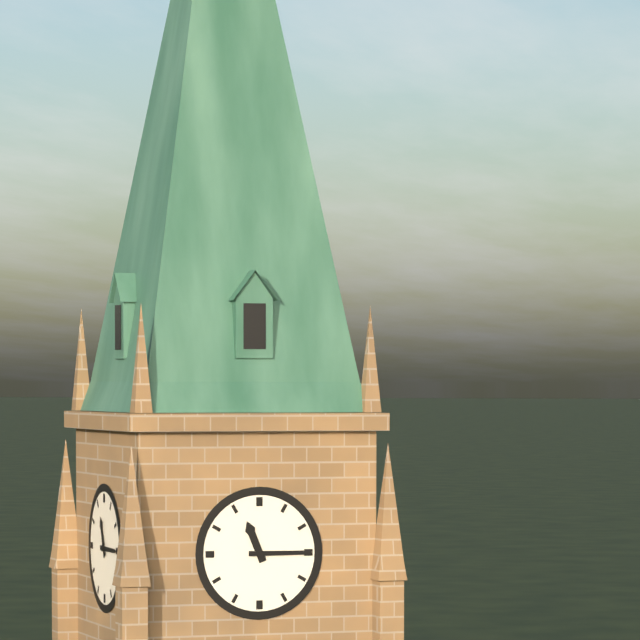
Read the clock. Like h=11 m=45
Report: h=11 m=15
